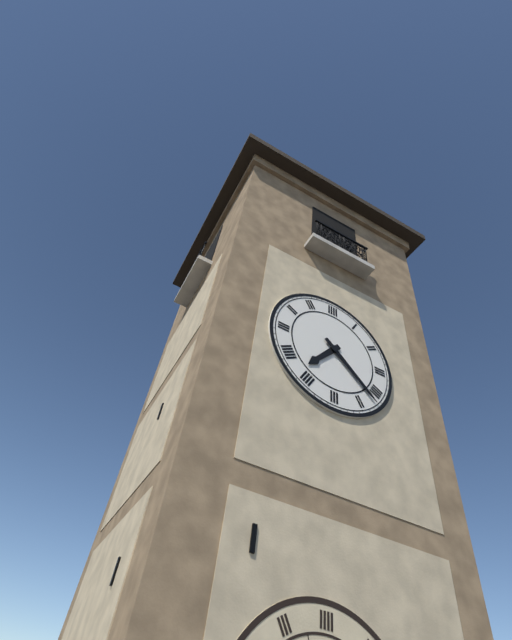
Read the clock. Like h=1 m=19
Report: h=7 m=22
